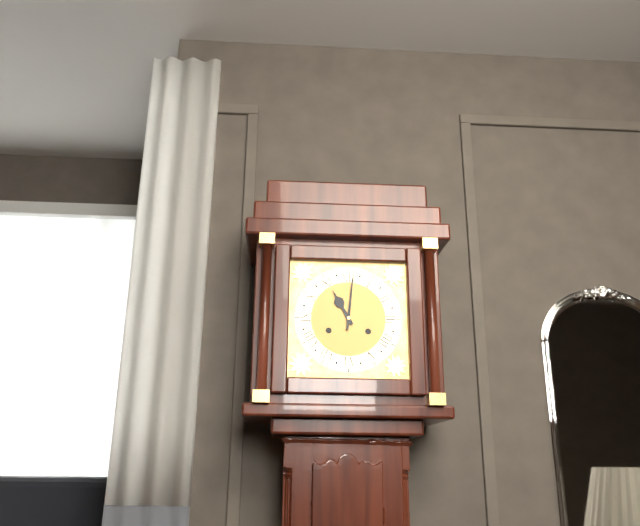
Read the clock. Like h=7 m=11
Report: h=11 m=1
